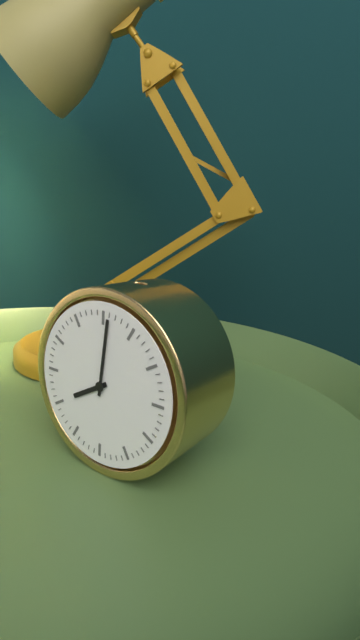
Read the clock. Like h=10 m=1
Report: h=8 m=1
